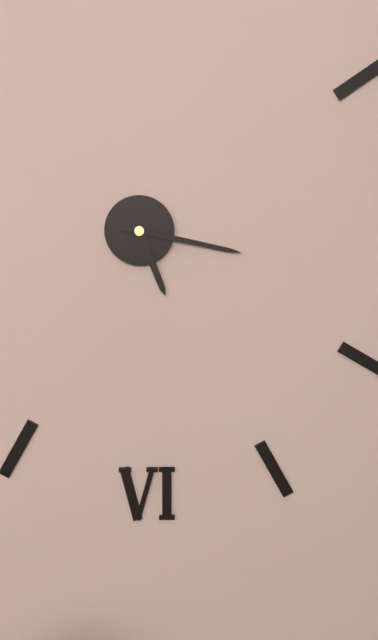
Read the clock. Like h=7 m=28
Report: h=5 m=17
